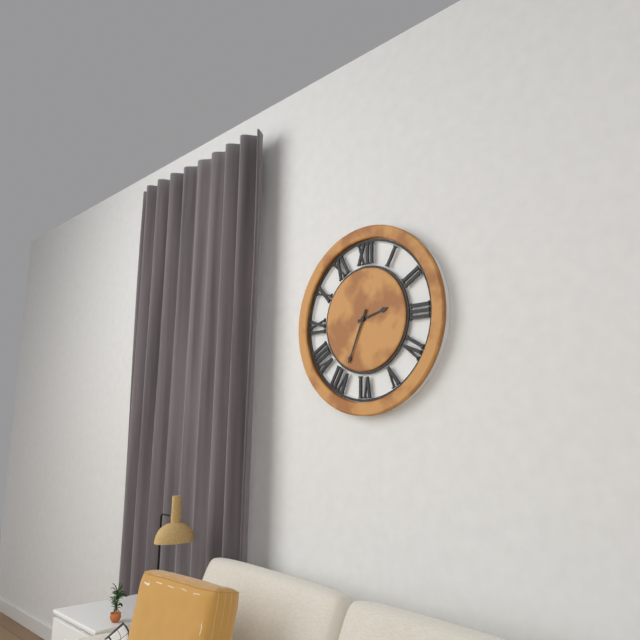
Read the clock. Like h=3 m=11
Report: h=2 m=34
